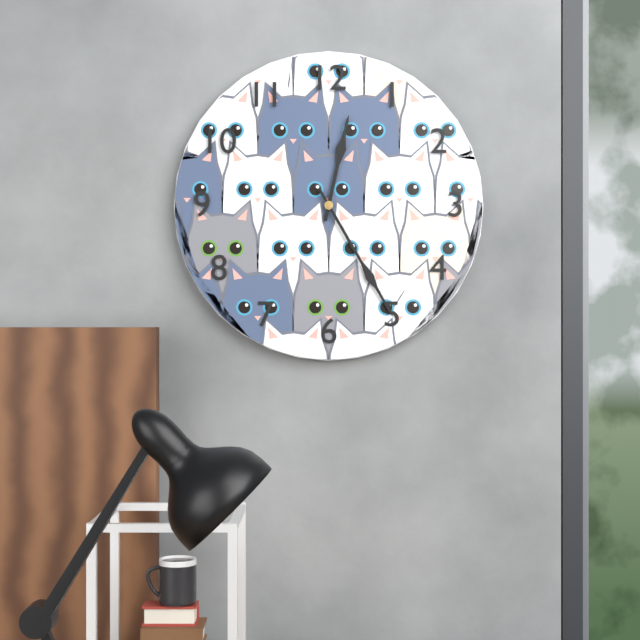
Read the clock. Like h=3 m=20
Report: h=12 m=25
